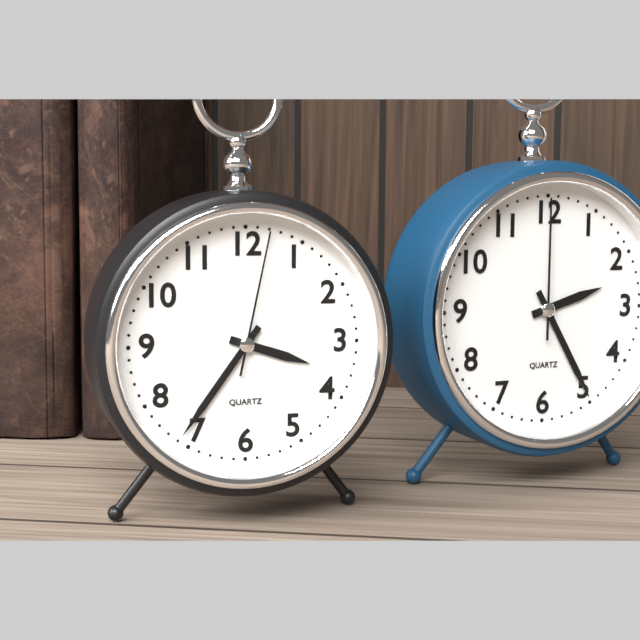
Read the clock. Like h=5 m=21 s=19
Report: h=3 m=36 s=2
